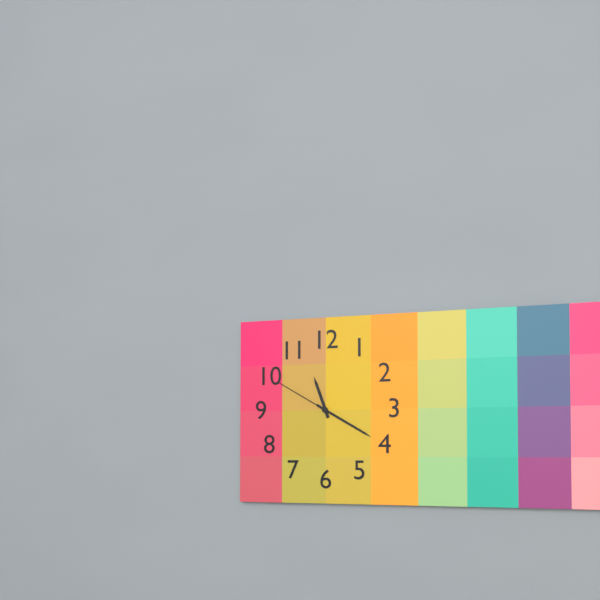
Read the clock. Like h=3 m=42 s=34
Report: h=11 m=20 s=50
